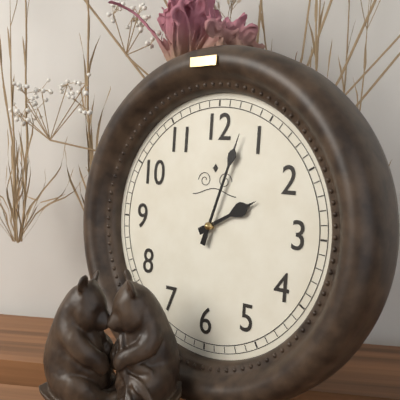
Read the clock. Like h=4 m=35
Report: h=2 m=3
